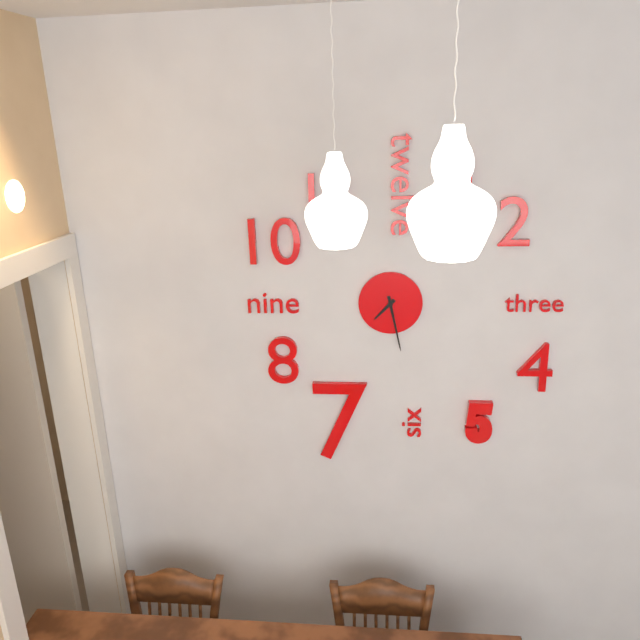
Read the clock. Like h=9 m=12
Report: h=7 m=28
